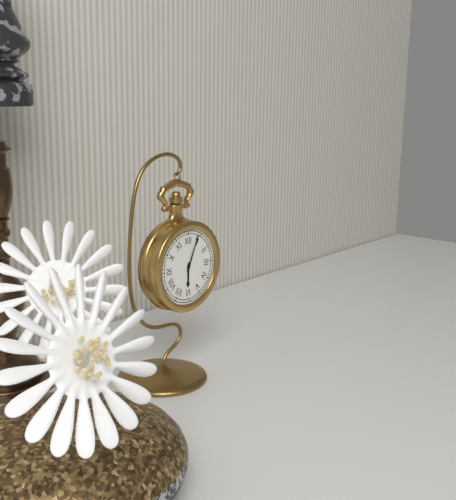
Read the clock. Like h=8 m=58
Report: h=6 m=4
